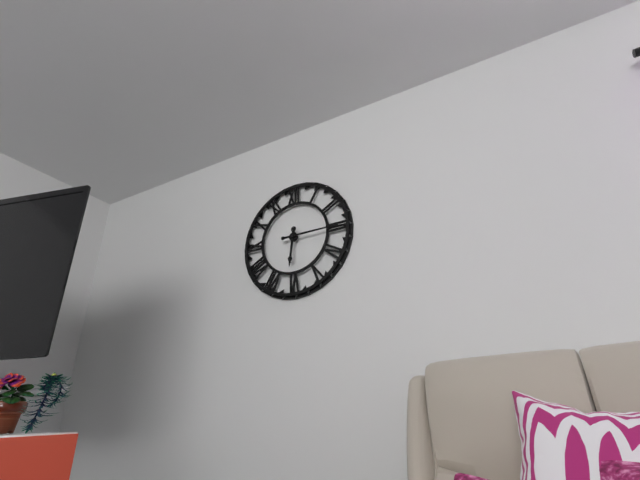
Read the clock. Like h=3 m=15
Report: h=6 m=15
